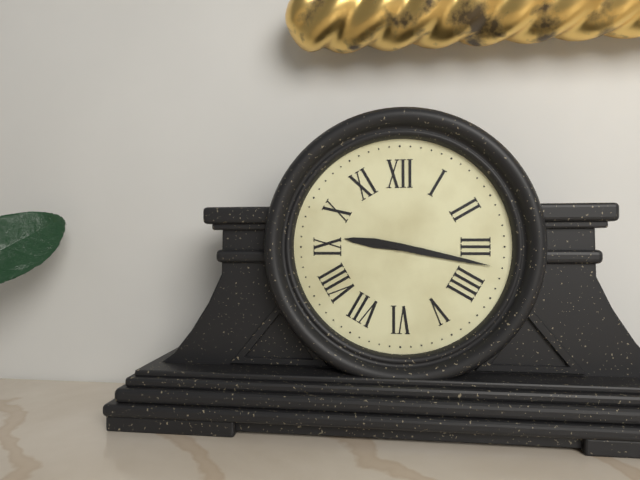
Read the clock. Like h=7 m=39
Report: h=9 m=17
